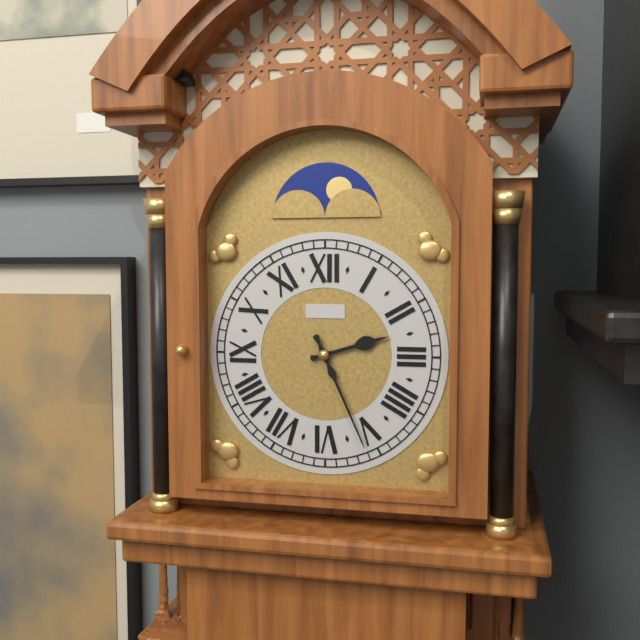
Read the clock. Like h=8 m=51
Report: h=2 m=26
